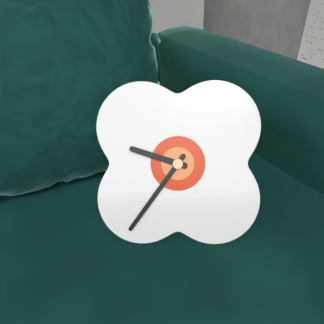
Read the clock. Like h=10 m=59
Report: h=9 m=36
